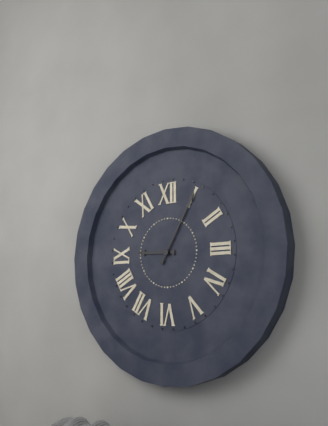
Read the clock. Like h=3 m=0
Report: h=9 m=5
